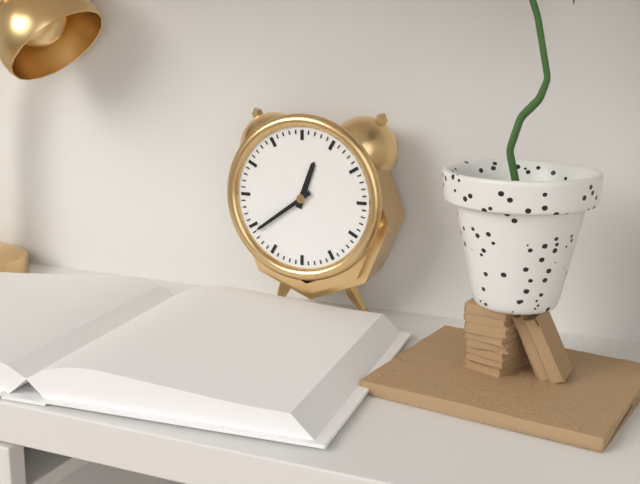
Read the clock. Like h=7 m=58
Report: h=12 m=39
